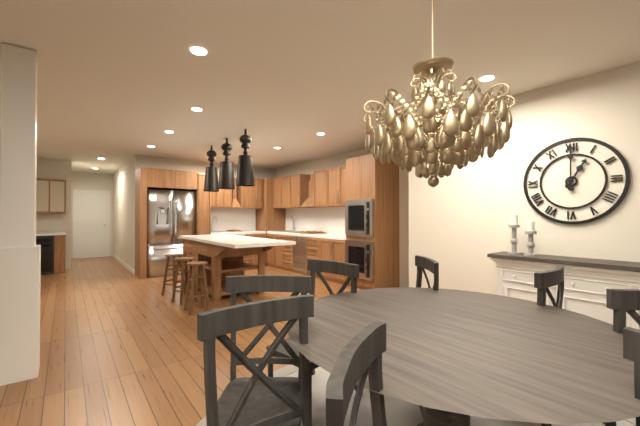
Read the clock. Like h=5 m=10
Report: h=1 m=0
